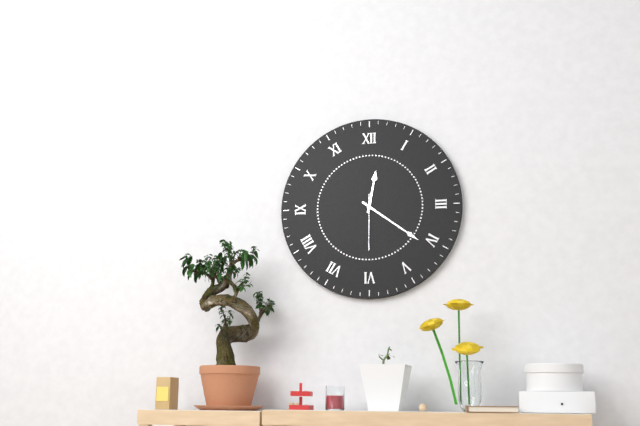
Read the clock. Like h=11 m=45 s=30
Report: h=12 m=21 s=30
